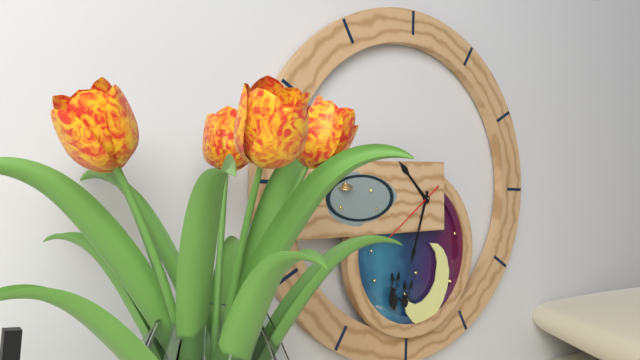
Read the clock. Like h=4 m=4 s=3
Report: h=10 m=33 s=39
